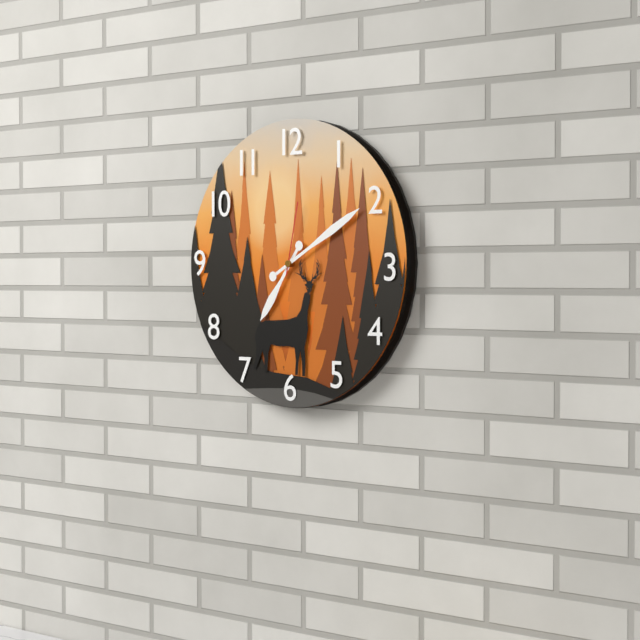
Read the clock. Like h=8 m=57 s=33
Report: h=7 m=10 s=2
